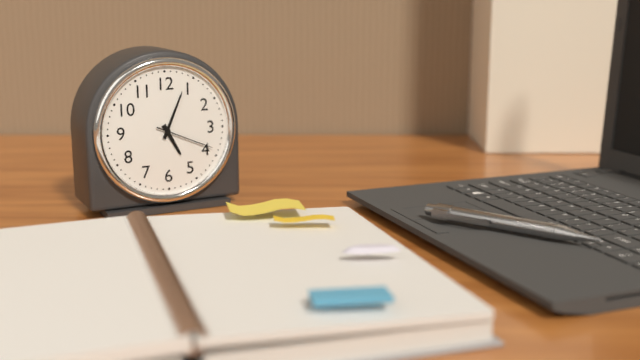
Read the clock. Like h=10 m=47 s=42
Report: h=5 m=4 s=19
